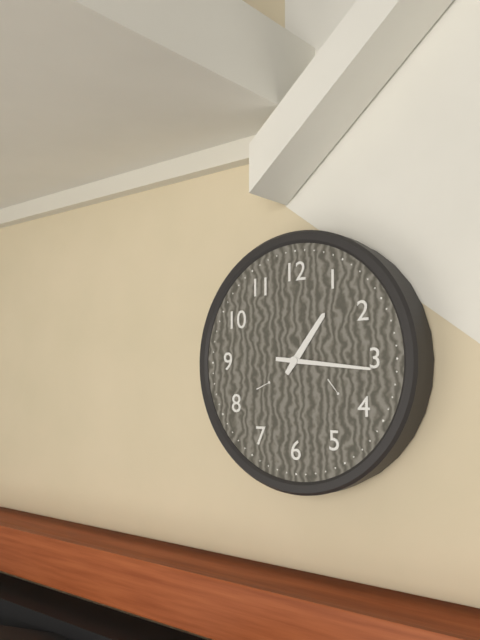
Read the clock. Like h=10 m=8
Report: h=1 m=16
